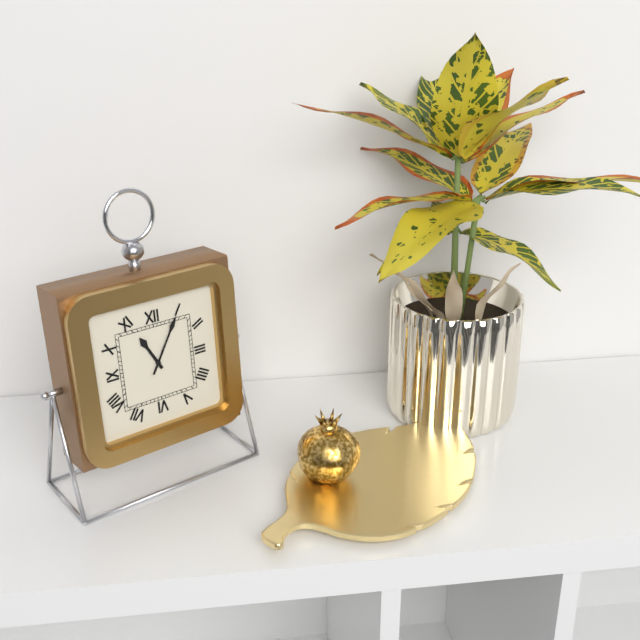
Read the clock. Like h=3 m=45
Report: h=11 m=5
